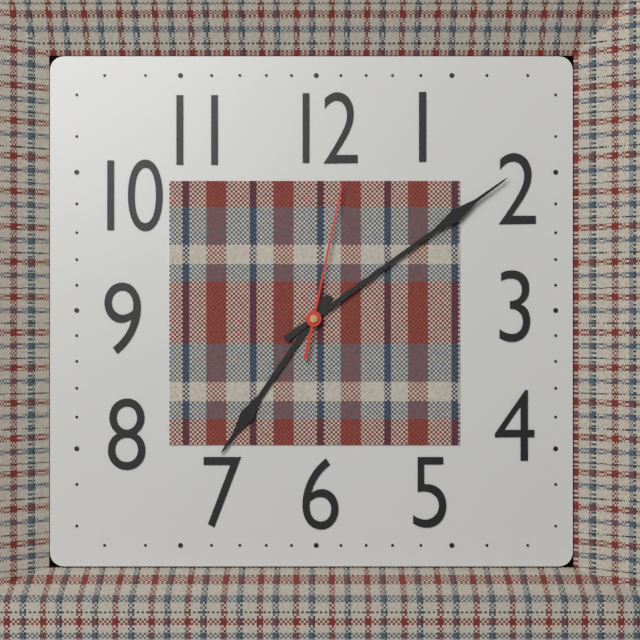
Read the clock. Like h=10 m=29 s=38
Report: h=7 m=9 s=2
